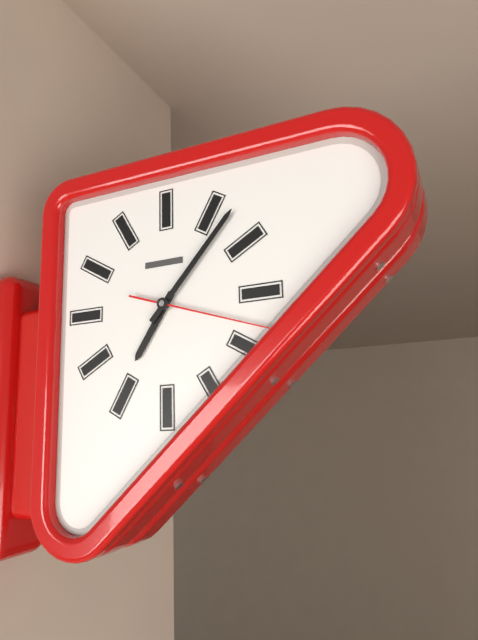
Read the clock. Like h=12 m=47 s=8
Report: h=7 m=7 s=18
